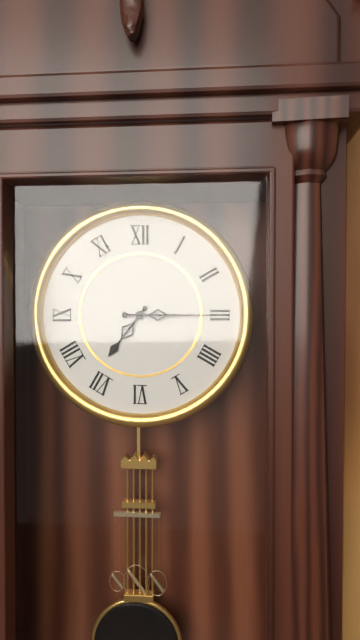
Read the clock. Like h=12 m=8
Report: h=7 m=15
